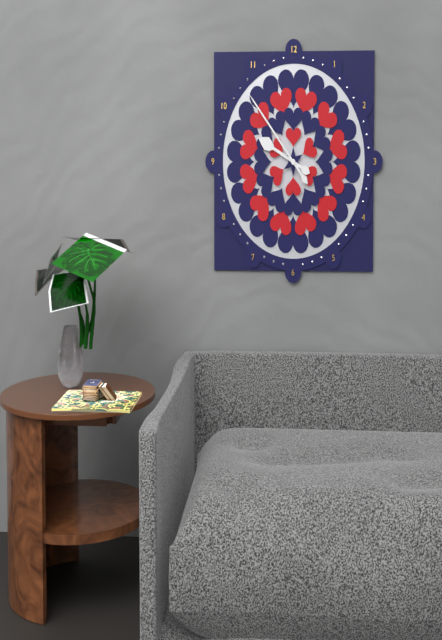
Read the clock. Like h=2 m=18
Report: h=9 m=53
